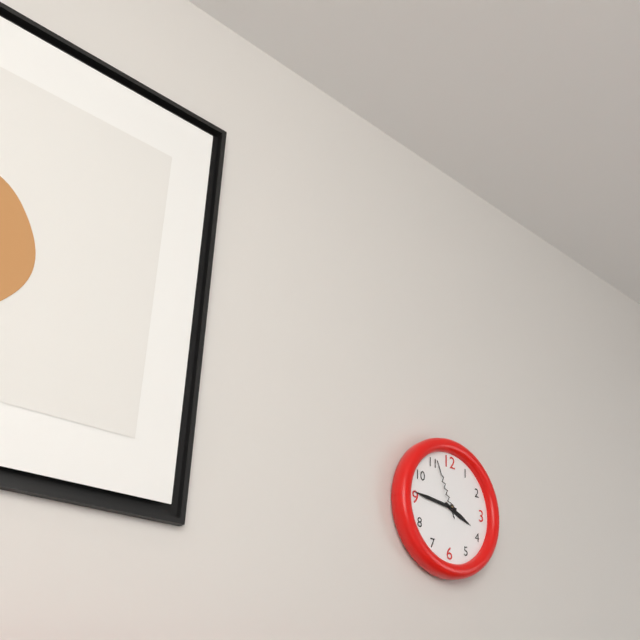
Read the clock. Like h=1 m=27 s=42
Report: h=3 m=46 s=56
